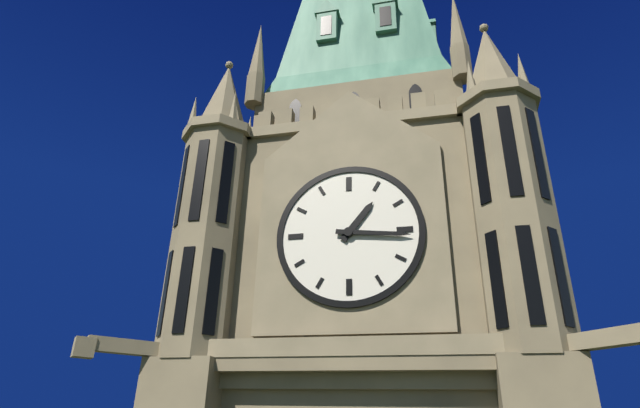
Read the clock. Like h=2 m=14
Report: h=1 m=16
